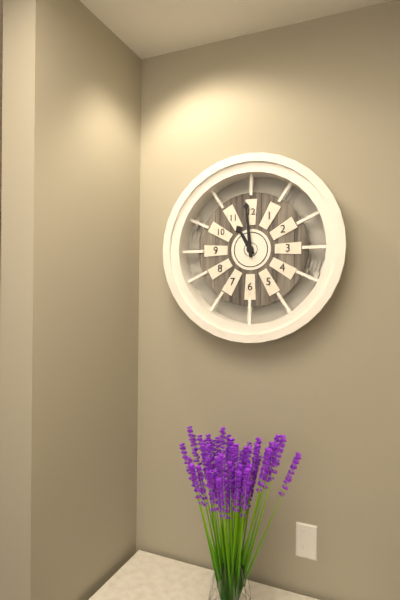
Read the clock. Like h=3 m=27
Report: h=10 m=59
